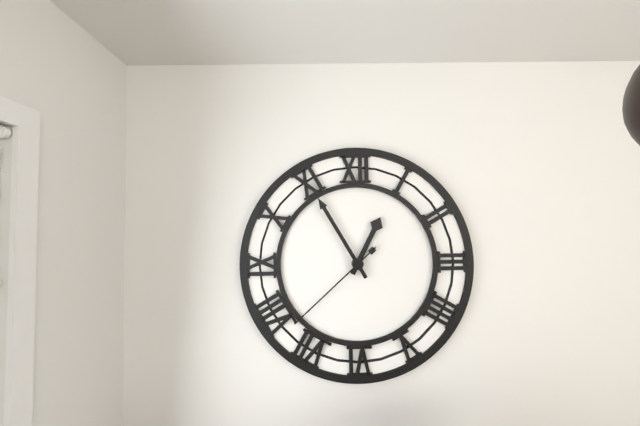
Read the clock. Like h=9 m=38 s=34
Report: h=12 m=55 s=38
